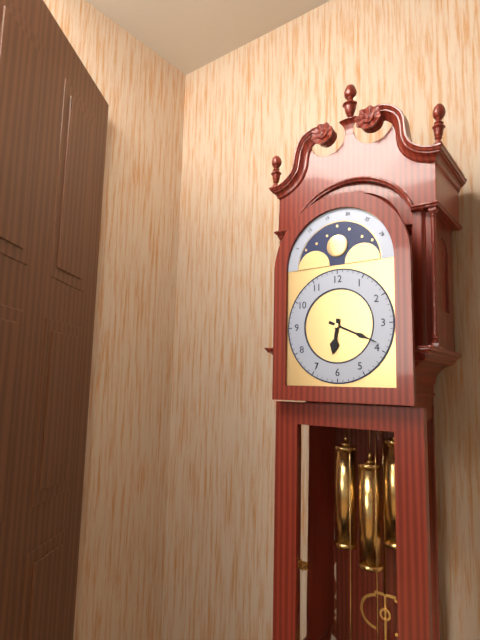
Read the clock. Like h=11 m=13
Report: h=6 m=19
